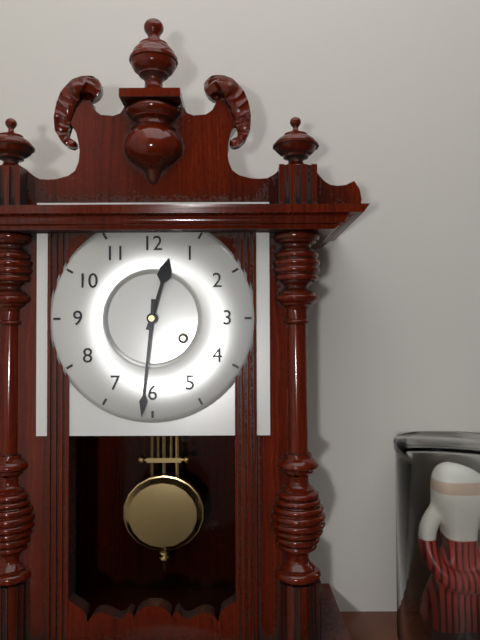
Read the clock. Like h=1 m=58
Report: h=12 m=31
